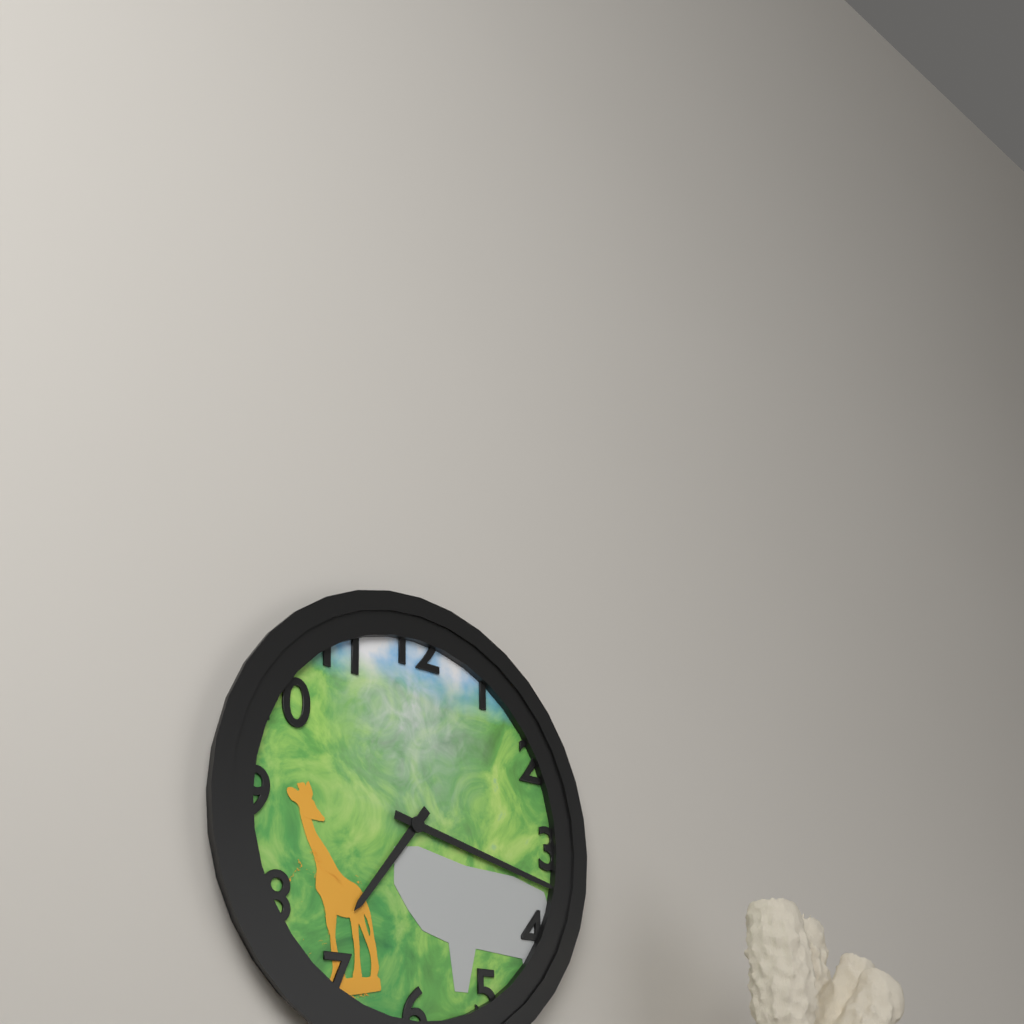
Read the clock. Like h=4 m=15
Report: h=7 m=17
